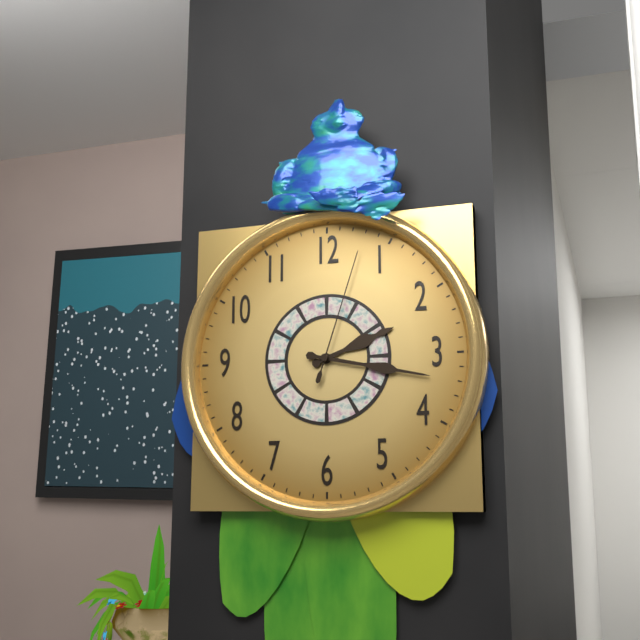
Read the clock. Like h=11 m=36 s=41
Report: h=2 m=17 s=3
